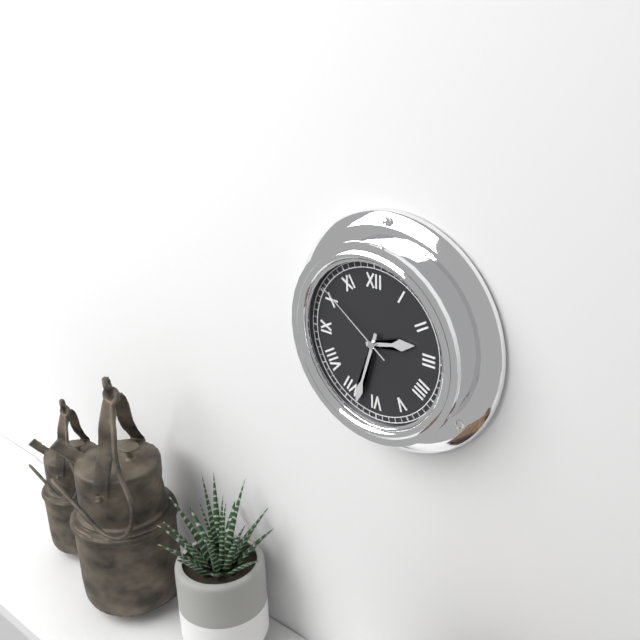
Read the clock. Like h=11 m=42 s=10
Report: h=2 m=33 s=51
